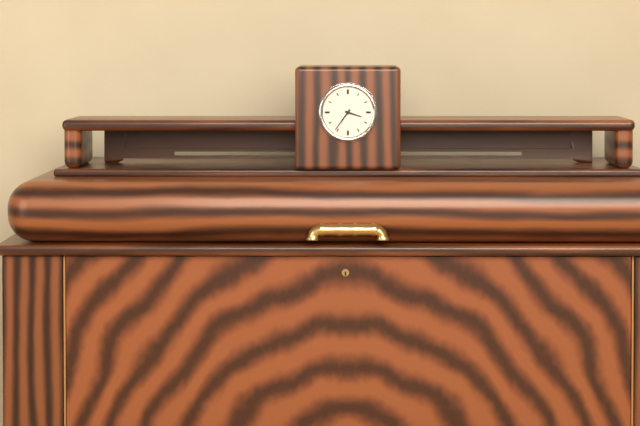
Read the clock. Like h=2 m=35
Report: h=3 m=36
